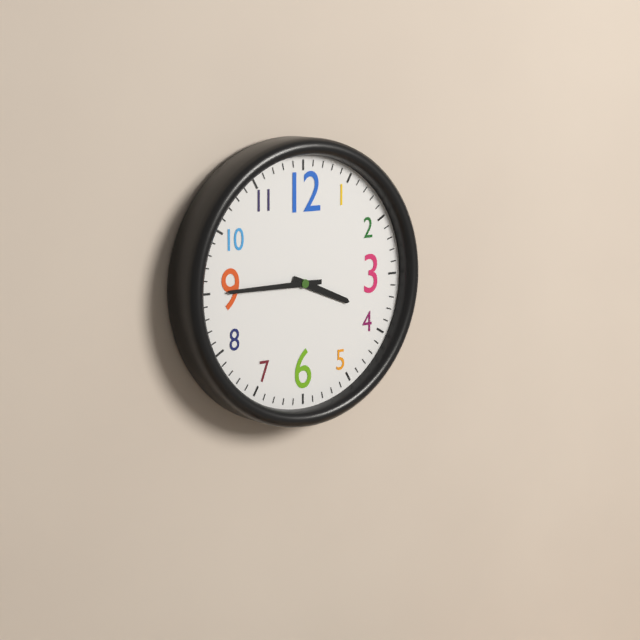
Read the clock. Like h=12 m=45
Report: h=3 m=45
